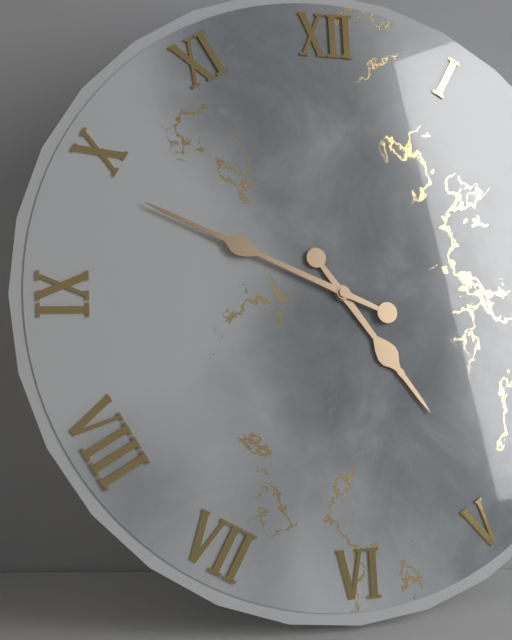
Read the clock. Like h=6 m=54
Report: h=4 m=49
